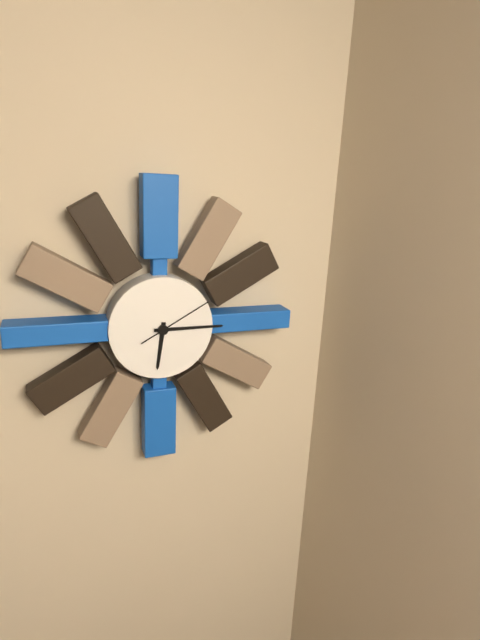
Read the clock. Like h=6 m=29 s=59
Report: h=6 m=15 s=10
